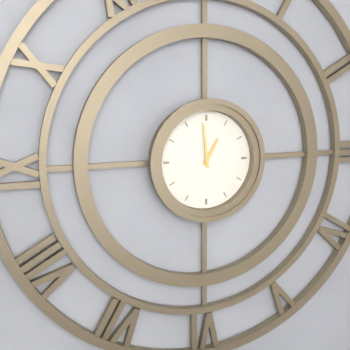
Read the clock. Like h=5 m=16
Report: h=12 m=59
